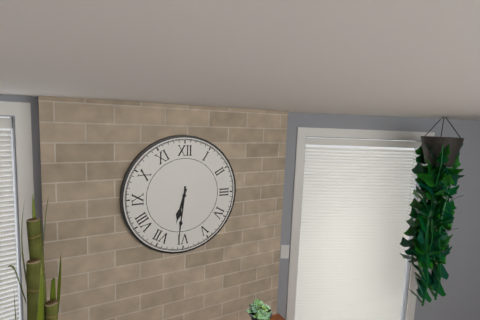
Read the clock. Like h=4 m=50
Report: h=6 m=31
